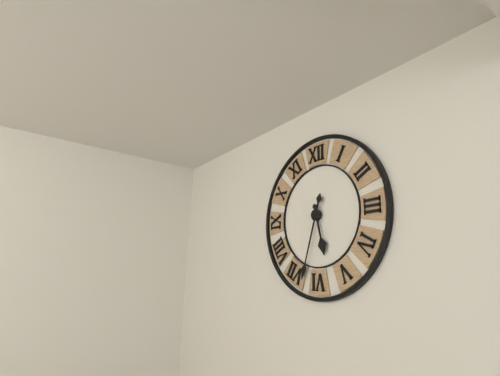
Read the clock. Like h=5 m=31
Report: h=5 m=33
